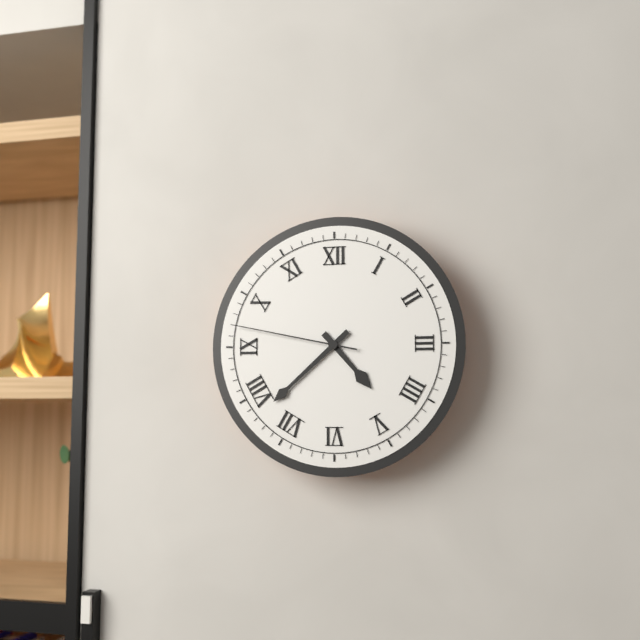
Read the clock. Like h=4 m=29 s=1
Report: h=4 m=38 s=47
